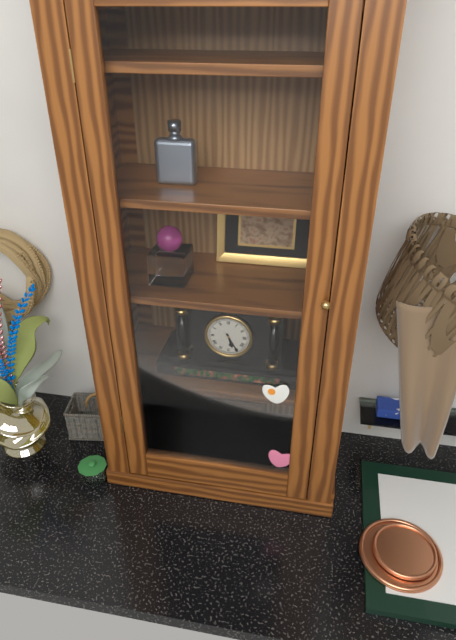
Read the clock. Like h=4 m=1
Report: h=5 m=25
